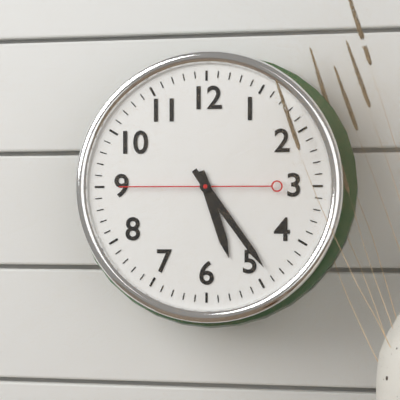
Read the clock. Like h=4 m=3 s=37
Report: h=5 m=24 s=45
